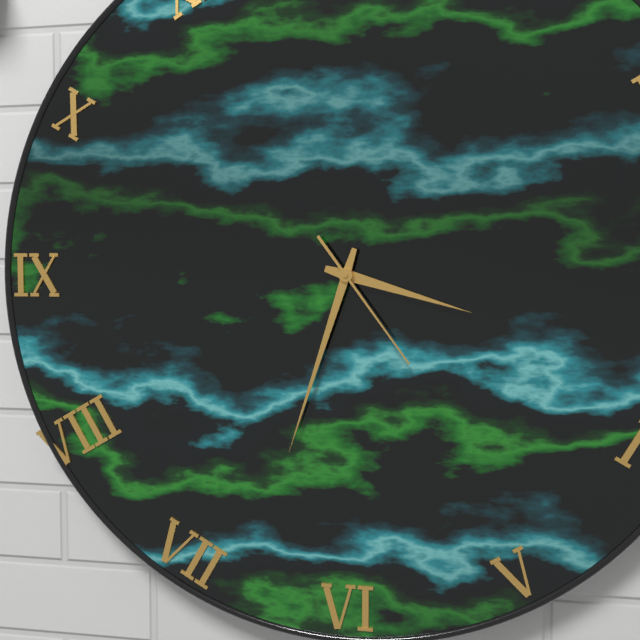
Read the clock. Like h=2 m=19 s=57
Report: h=3 m=33 s=24
